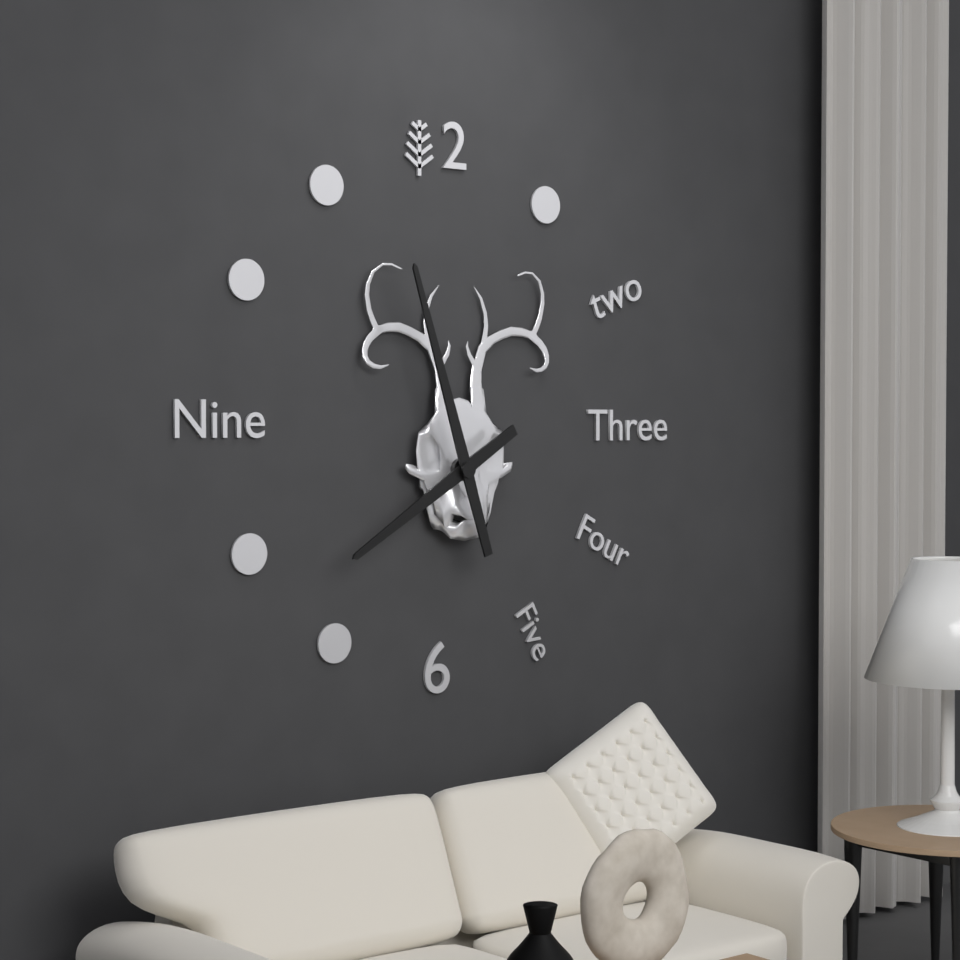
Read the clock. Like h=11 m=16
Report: h=7 m=57
